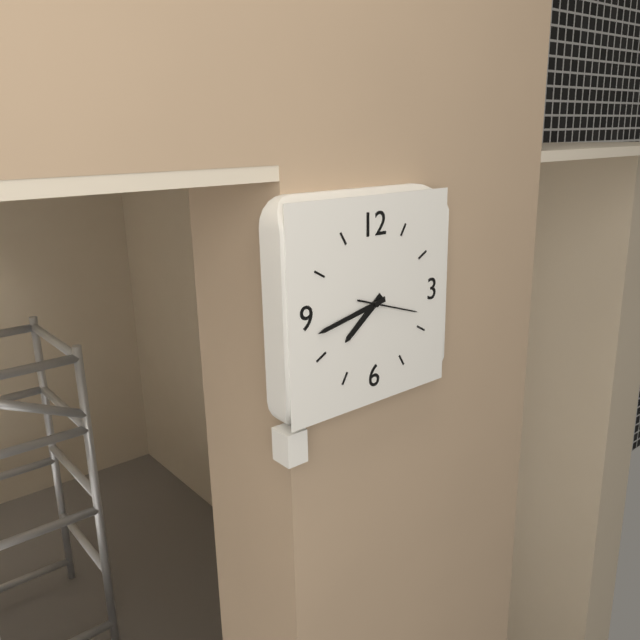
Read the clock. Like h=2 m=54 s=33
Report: h=7 m=43 s=18
